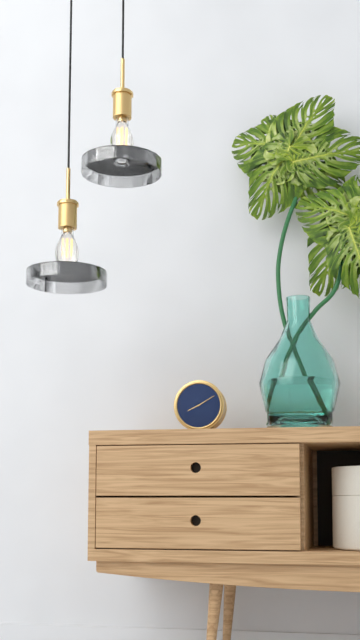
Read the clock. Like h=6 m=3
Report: h=8 m=10
